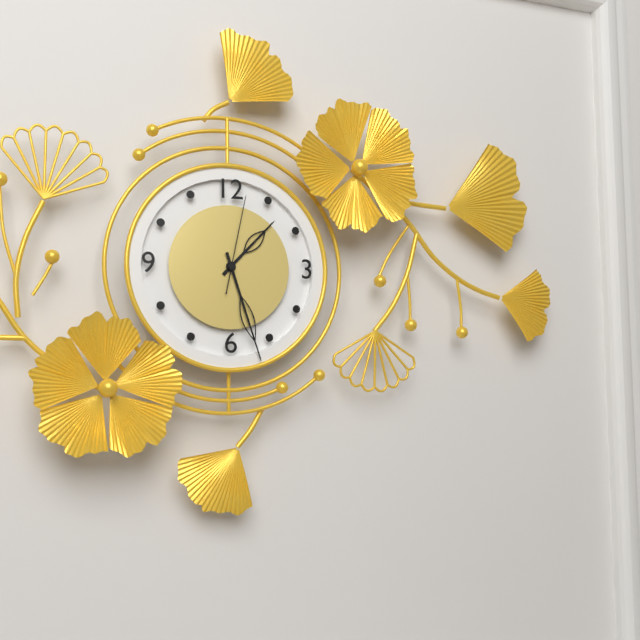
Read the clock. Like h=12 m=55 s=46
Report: h=1 m=27 s=2
